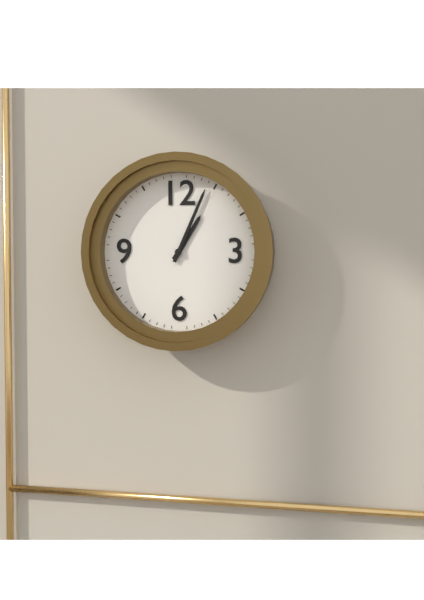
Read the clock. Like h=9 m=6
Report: h=1 m=4
